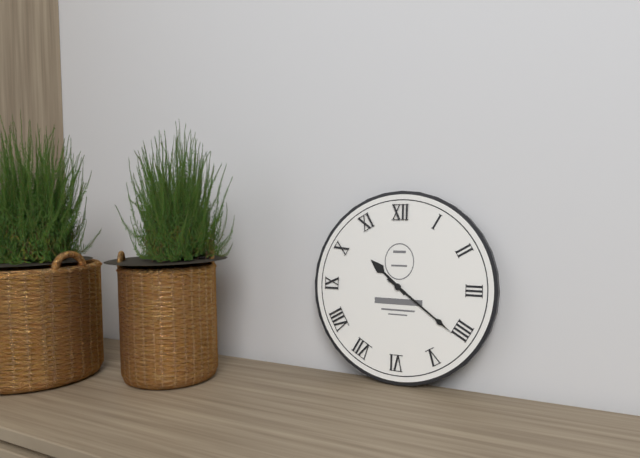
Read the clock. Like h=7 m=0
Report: h=10 m=21
